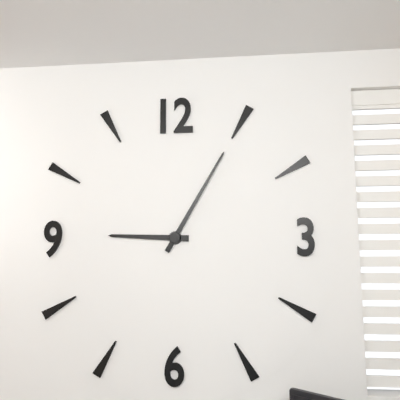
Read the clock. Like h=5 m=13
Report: h=9 m=5
